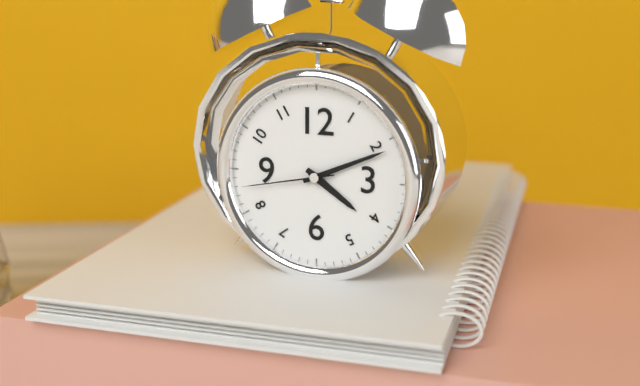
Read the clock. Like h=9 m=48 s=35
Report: h=4 m=11 s=43
